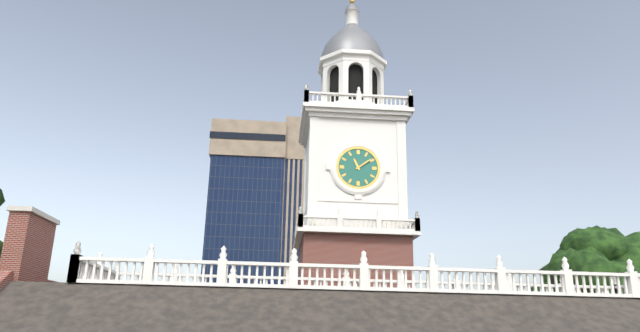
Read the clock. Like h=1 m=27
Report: h=11 m=9
